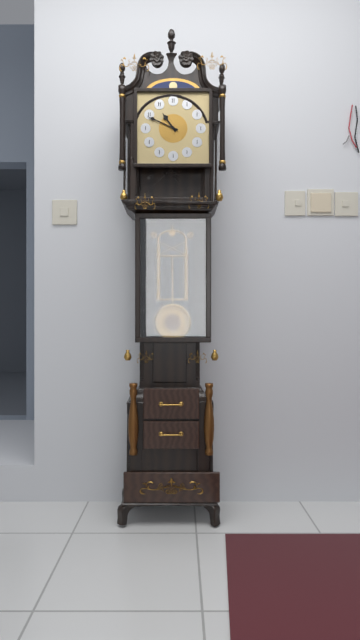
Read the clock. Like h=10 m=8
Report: h=10 m=49
